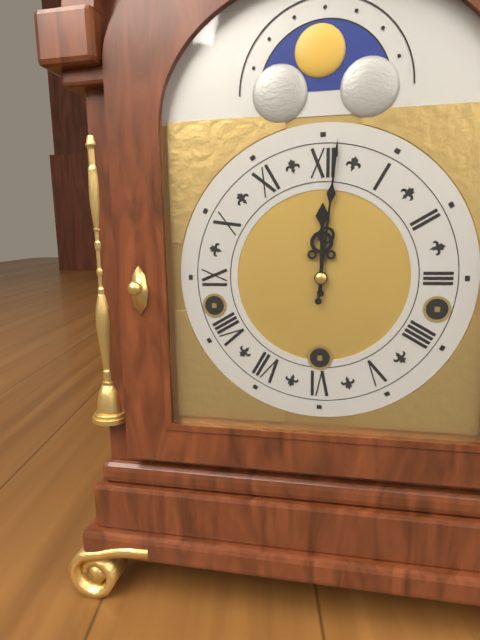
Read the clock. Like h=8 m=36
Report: h=12 m=1
